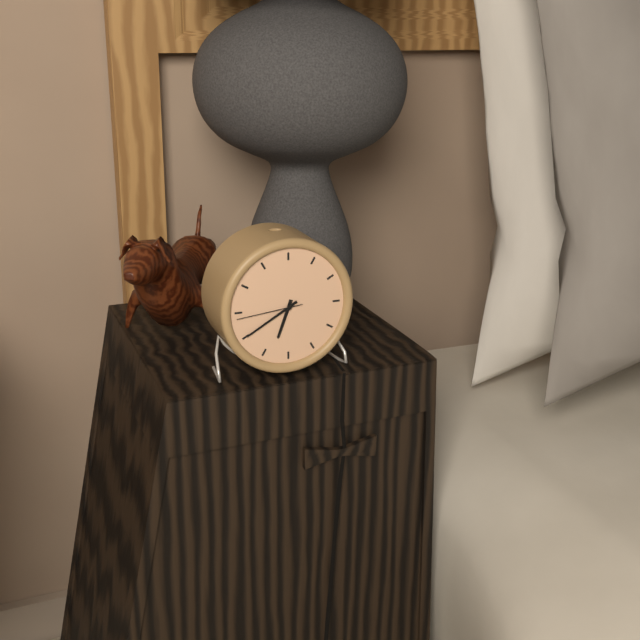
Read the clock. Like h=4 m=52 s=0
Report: h=6 m=40 s=44
